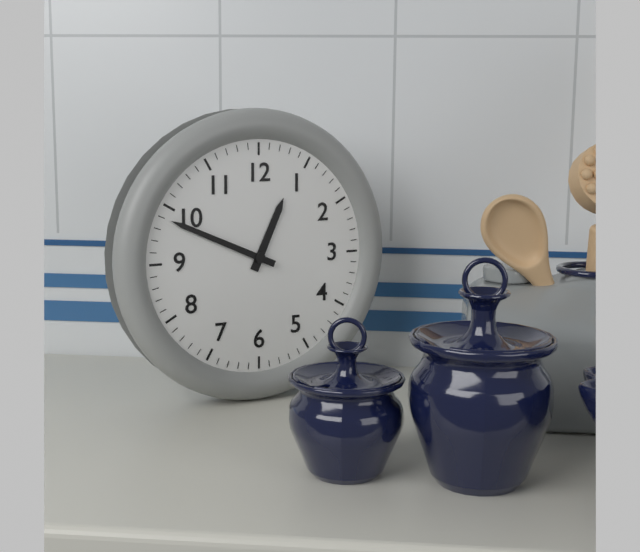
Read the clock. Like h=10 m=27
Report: h=12 m=49
